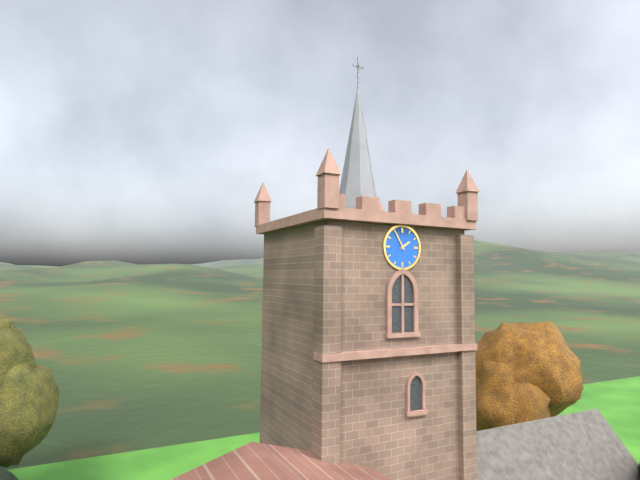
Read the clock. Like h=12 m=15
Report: h=1 m=55
